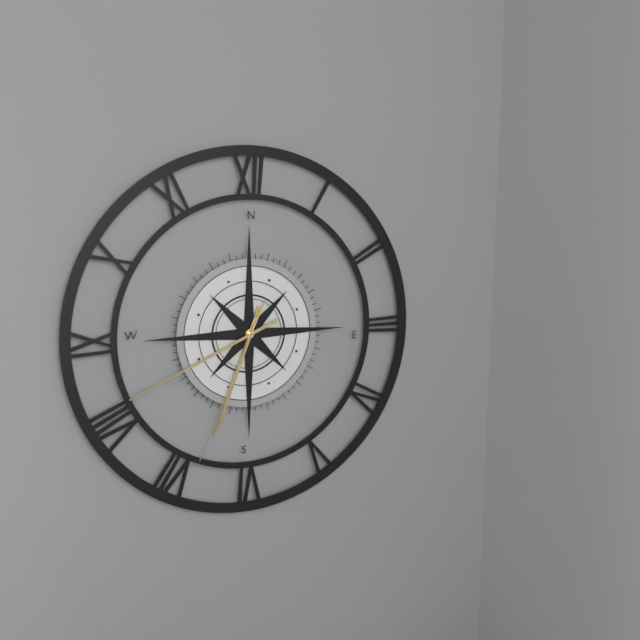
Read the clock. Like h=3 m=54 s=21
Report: h=6 m=41 s=34
